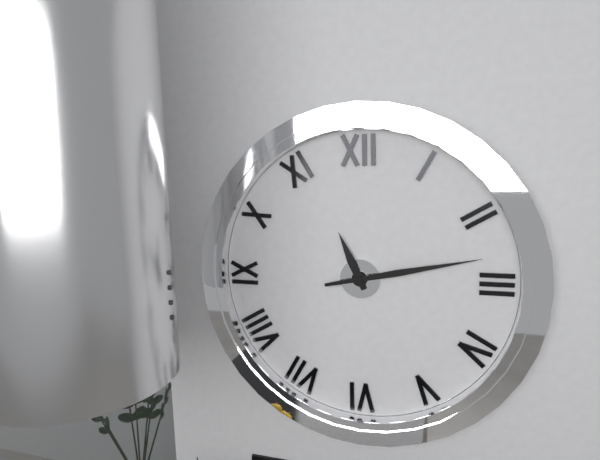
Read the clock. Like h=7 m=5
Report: h=11 m=13
